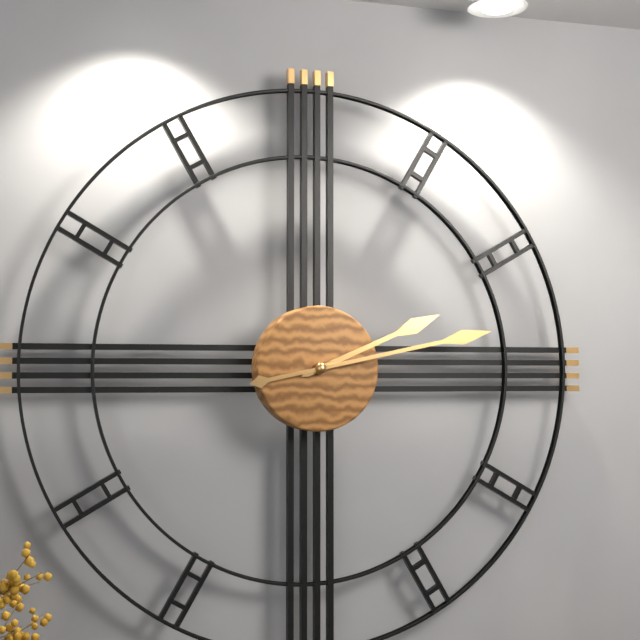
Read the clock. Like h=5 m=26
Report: h=2 m=13
